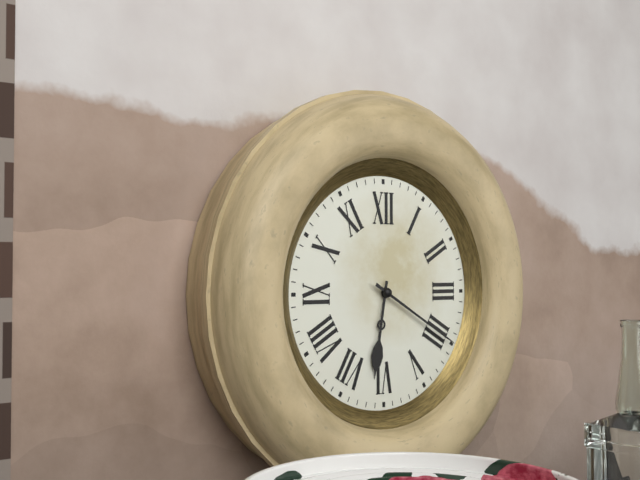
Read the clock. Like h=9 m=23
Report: h=6 m=20
